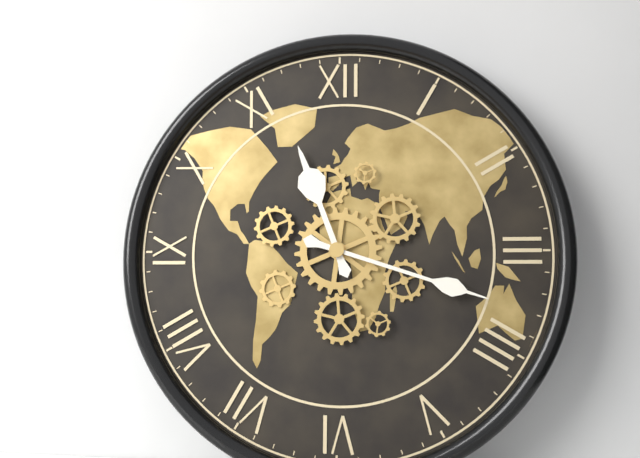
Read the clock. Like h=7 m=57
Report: h=11 m=18
